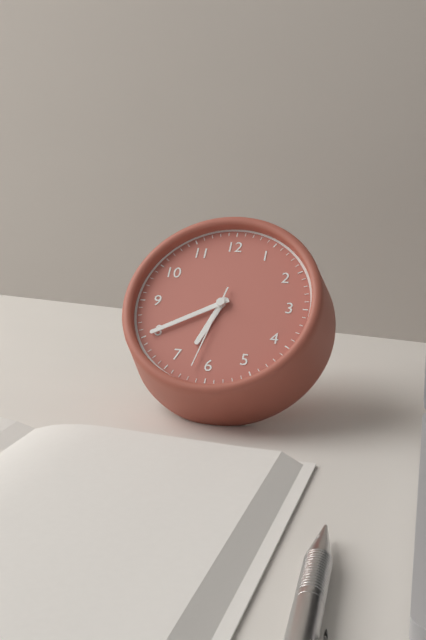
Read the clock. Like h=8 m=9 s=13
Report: h=6 m=40 s=32
